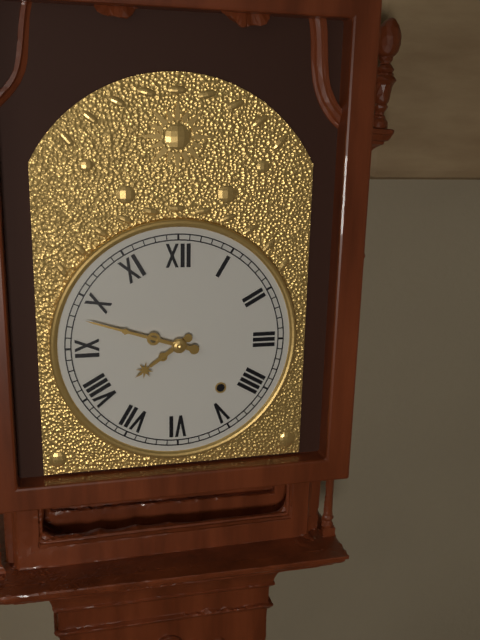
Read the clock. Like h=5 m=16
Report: h=7 m=48
